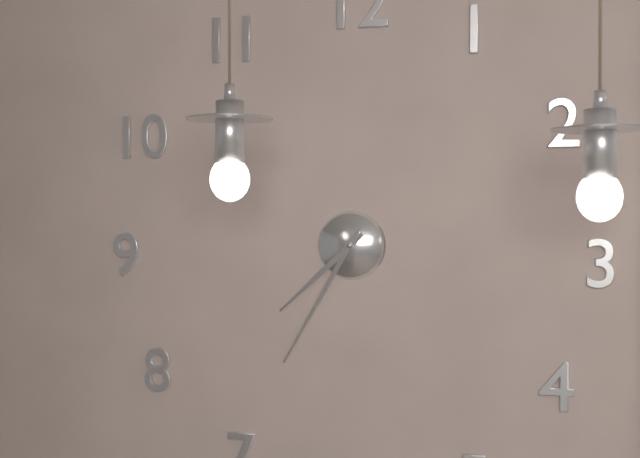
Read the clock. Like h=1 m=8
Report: h=7 m=35
